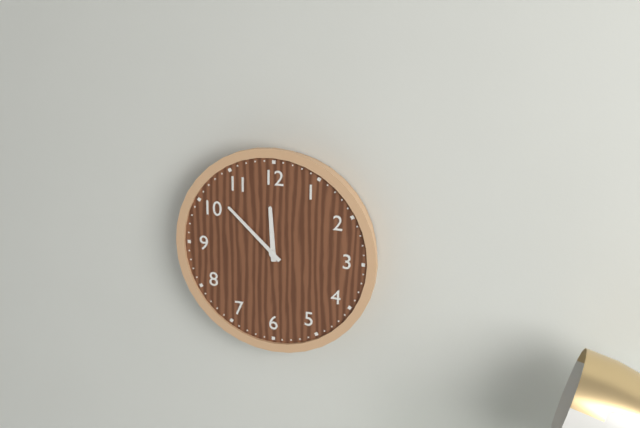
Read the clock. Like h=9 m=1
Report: h=11 m=52
